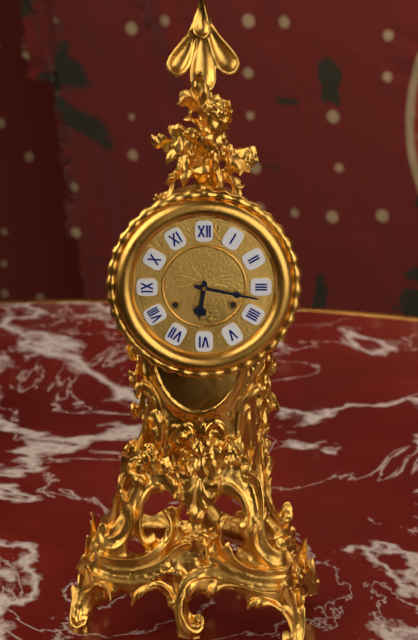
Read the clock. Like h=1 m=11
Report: h=6 m=17
